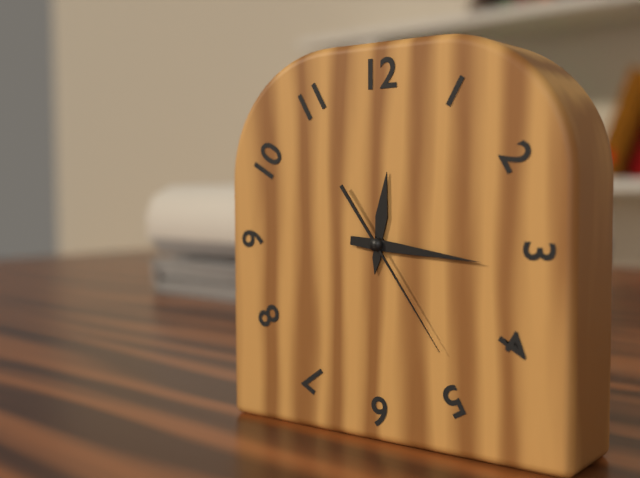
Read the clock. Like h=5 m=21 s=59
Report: h=12 m=16 s=24
